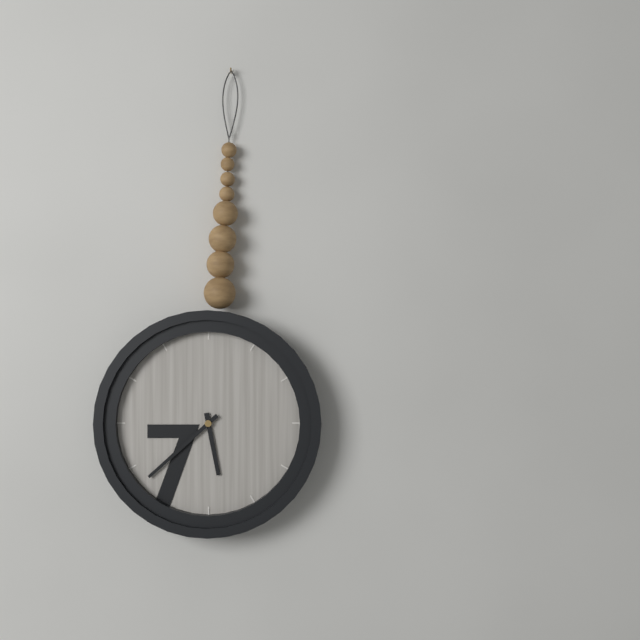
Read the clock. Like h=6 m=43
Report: h=5 m=38
